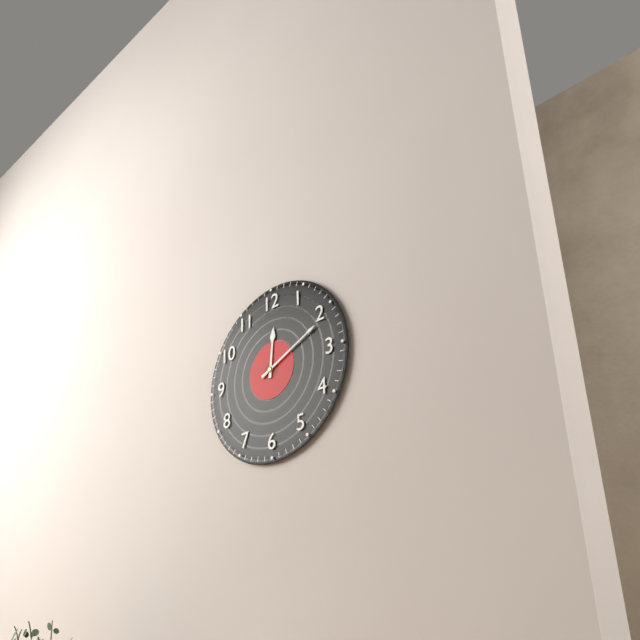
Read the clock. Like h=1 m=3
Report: h=12 m=11
